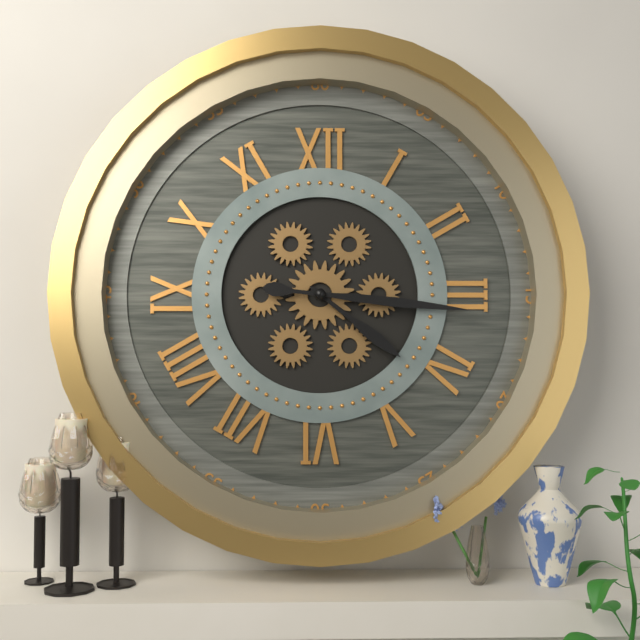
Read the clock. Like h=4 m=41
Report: h=4 m=16
